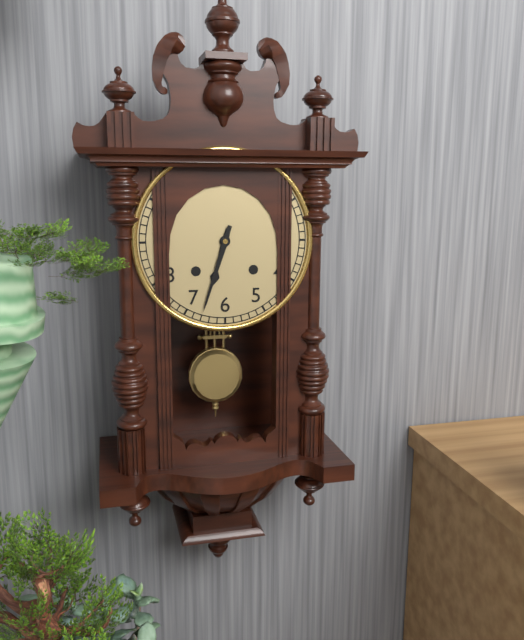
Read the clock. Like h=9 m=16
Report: h=6 m=33
